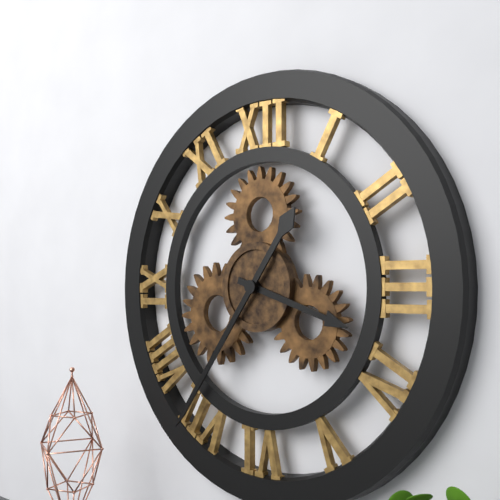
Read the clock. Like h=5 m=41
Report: h=3 m=36
